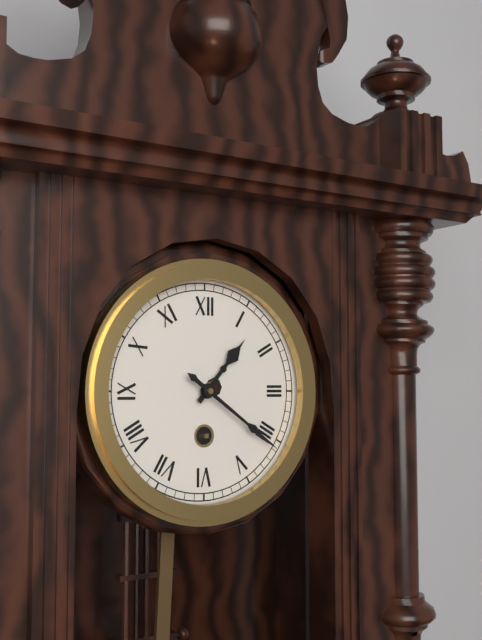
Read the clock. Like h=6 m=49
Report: h=1 m=21
